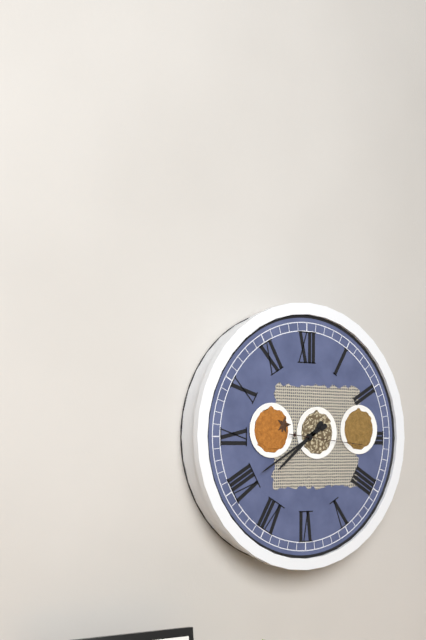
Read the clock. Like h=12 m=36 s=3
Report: h=7 m=40 s=16
